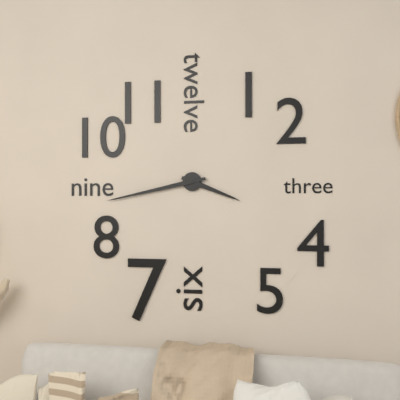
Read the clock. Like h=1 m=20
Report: h=3 m=43
